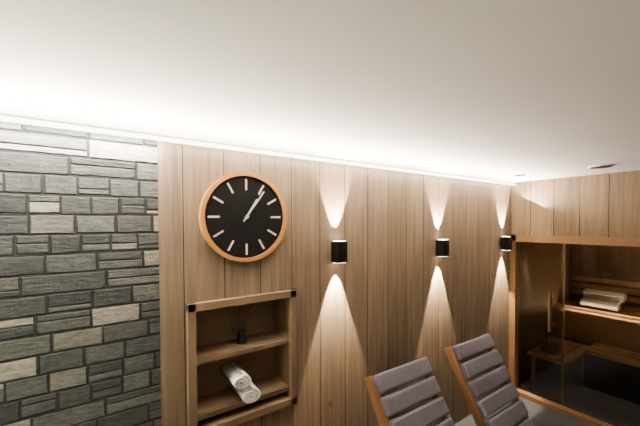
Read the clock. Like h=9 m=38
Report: h=1 m=6
